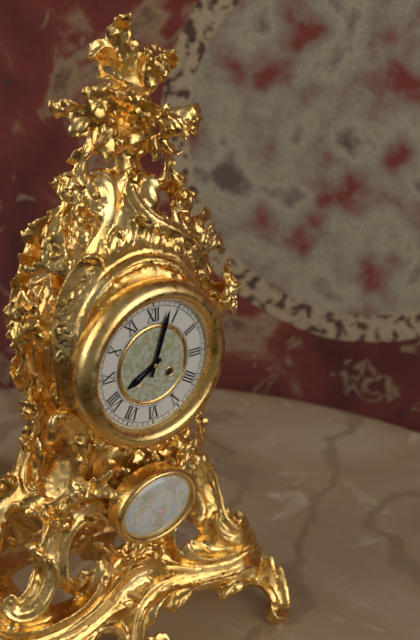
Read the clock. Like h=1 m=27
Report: h=8 m=3
